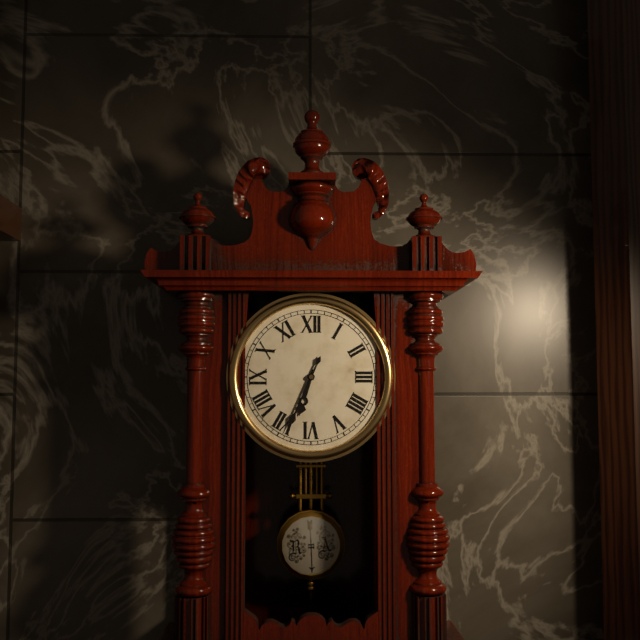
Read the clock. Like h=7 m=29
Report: h=6 m=34
